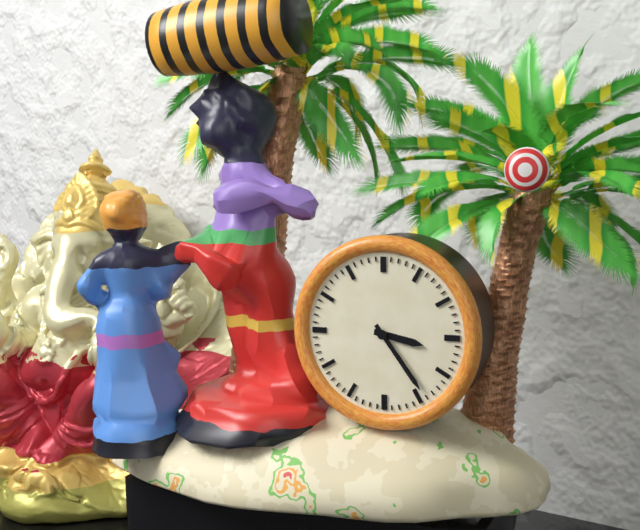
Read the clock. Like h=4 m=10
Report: h=3 m=24
